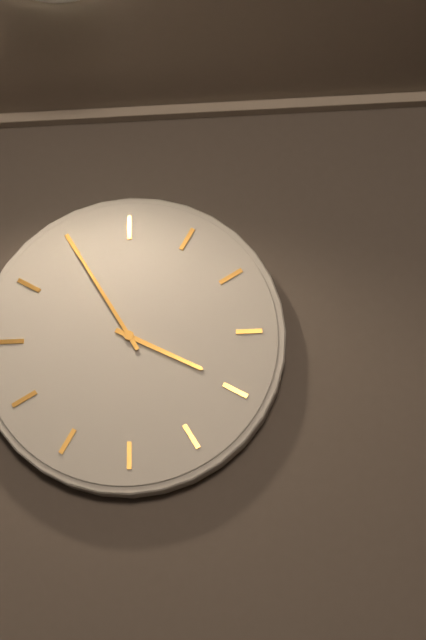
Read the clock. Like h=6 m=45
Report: h=3 m=55
